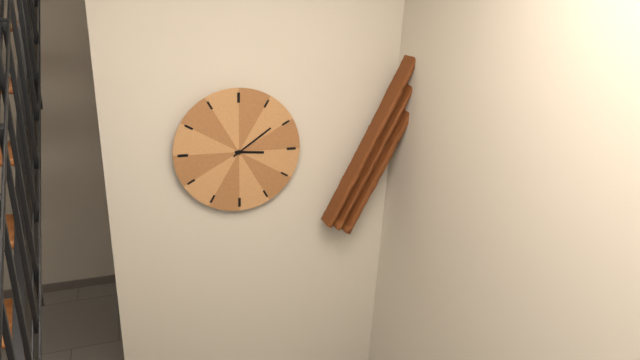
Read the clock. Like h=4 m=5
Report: h=3 m=9
